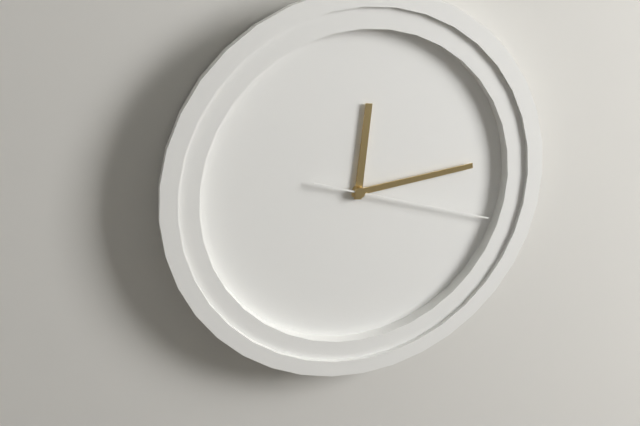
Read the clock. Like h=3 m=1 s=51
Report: h=12 m=14 s=18
